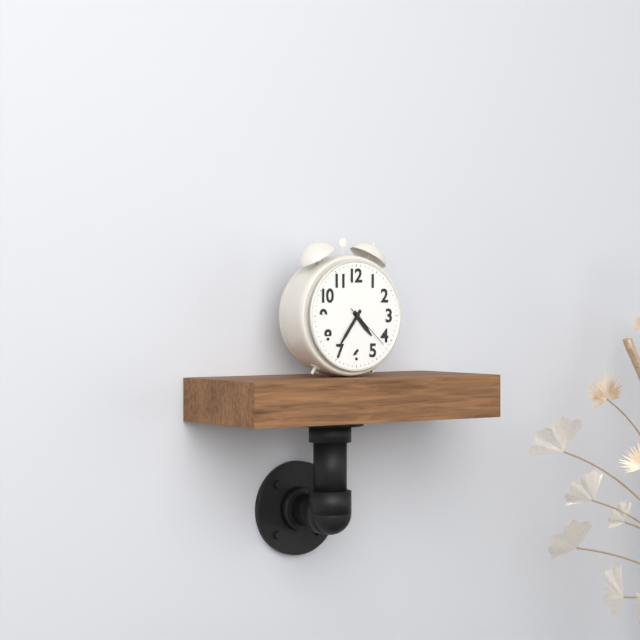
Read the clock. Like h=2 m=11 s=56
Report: h=4 m=36 s=22
